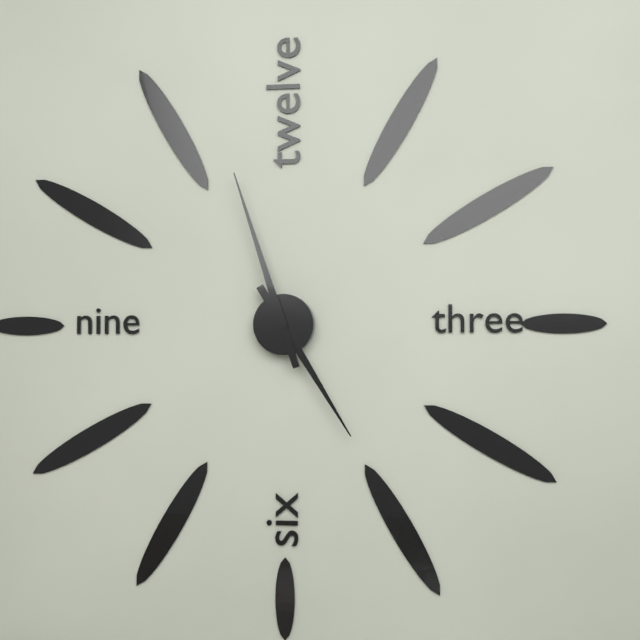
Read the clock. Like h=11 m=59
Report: h=4 m=57
